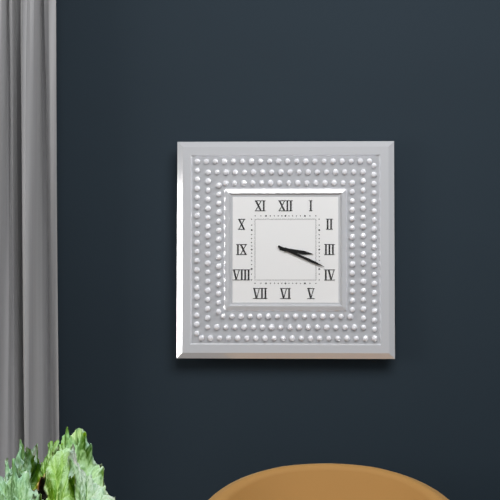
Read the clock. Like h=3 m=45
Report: h=3 m=19
